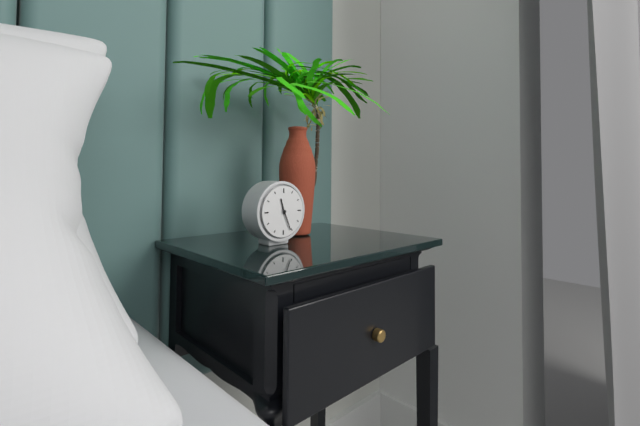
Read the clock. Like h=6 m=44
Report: h=11 m=26
